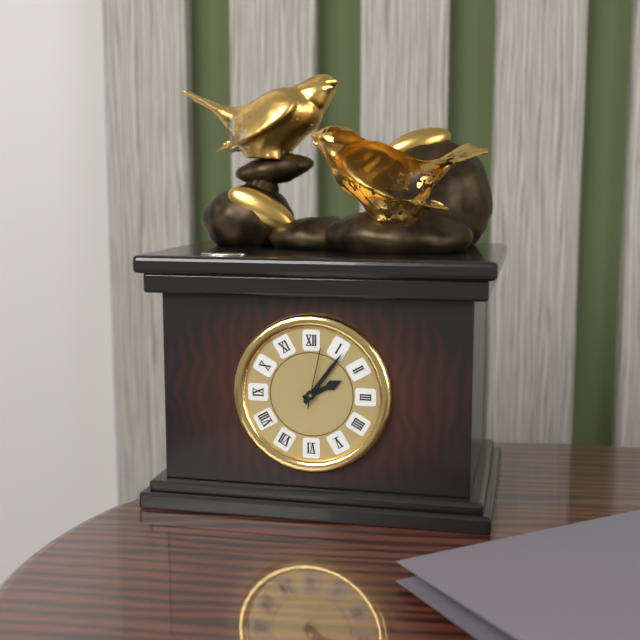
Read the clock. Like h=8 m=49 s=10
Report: h=2 m=6 s=2
